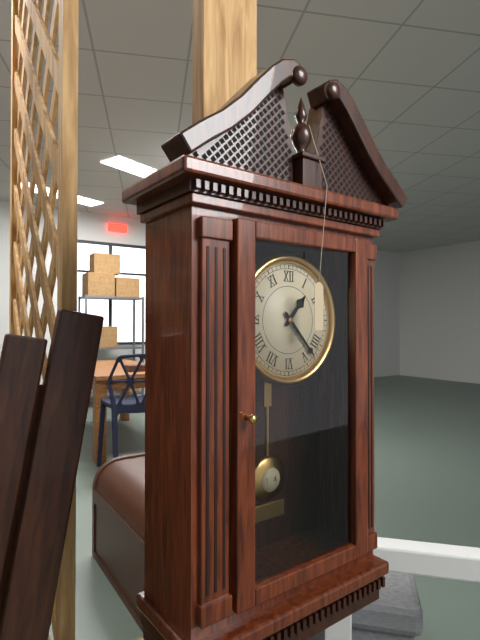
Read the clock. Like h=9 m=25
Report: h=1 m=23
